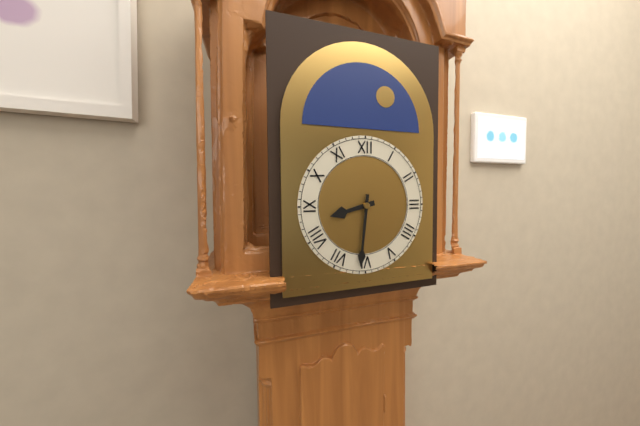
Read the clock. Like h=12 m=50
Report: h=8 m=31
